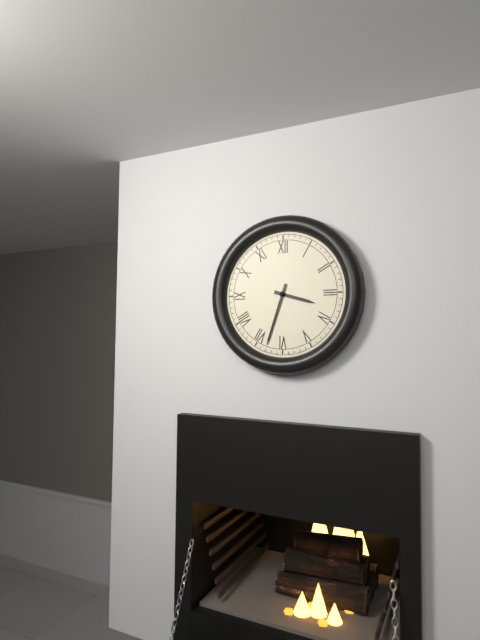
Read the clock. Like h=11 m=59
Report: h=3 m=33
